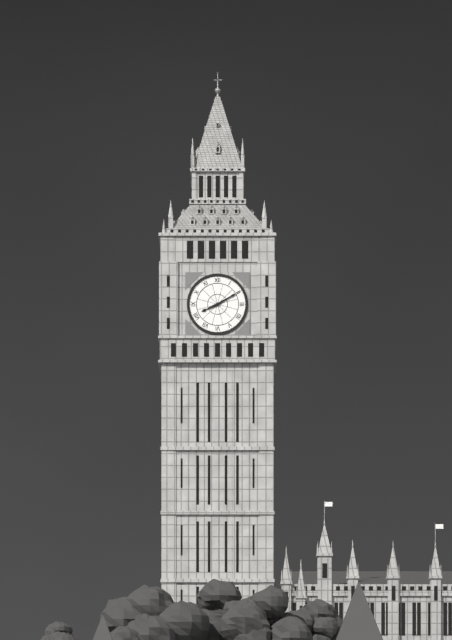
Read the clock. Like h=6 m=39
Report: h=8 m=10
